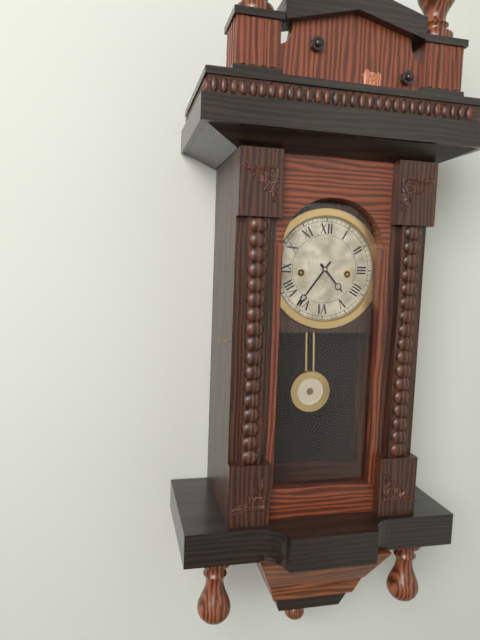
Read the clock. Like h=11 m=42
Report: h=4 m=36
